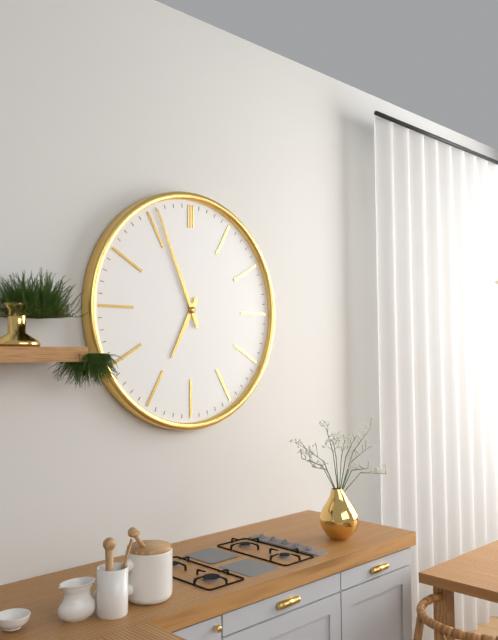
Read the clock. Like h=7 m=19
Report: h=6 m=56
